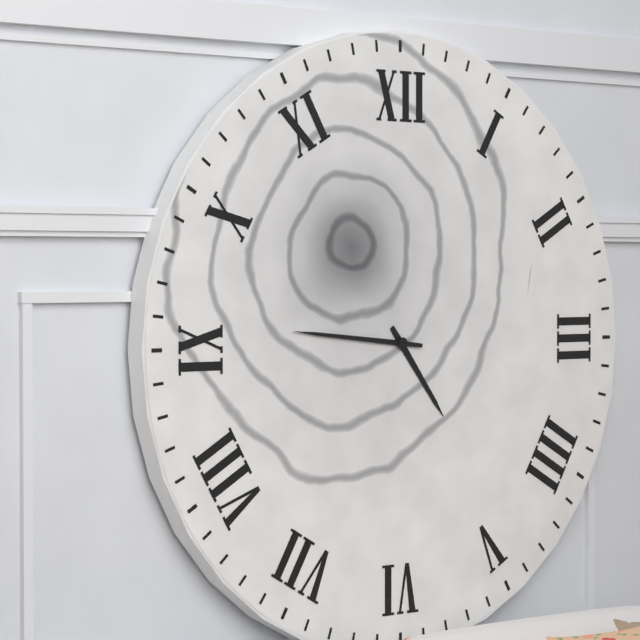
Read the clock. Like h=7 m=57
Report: h=4 m=46
